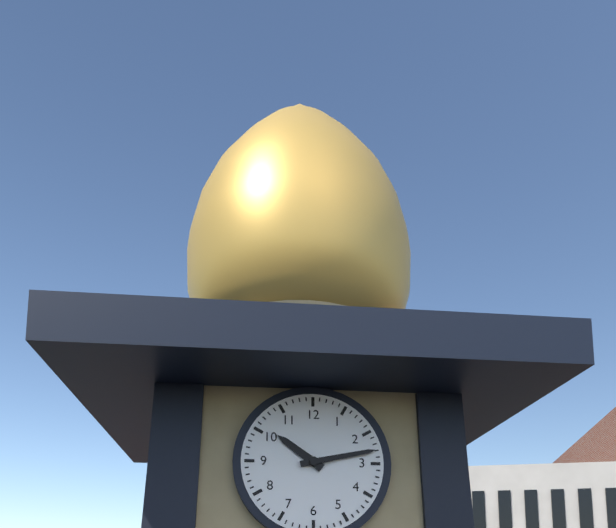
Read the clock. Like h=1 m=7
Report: h=10 m=13
